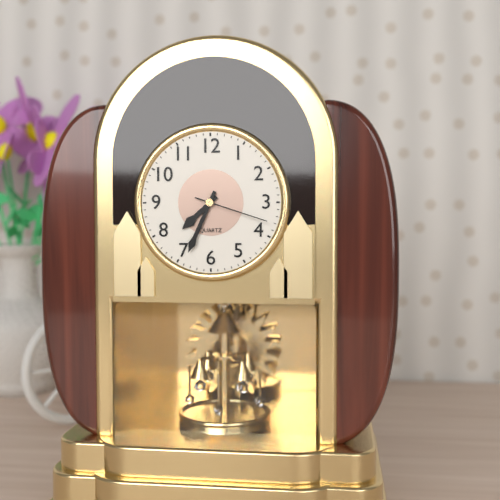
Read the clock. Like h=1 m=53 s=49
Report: h=7 m=34 s=18
